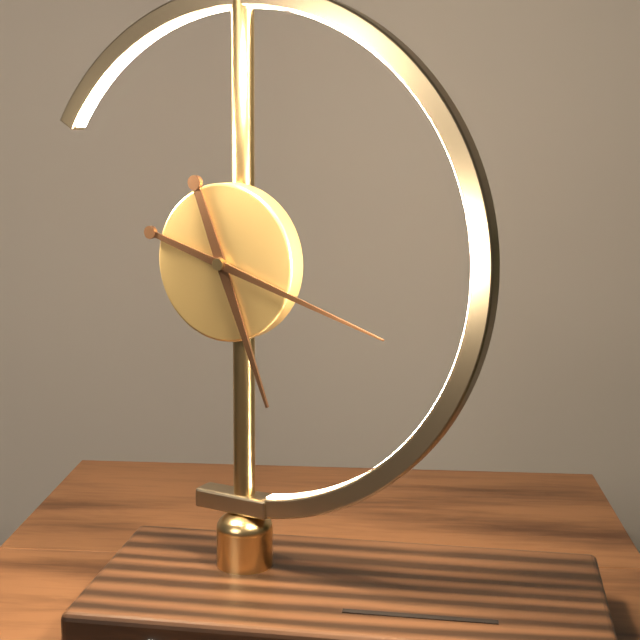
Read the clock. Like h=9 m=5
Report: h=5 m=18
